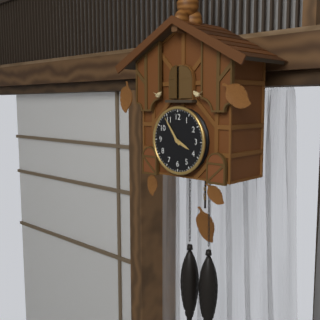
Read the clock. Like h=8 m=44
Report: h=3 m=54
